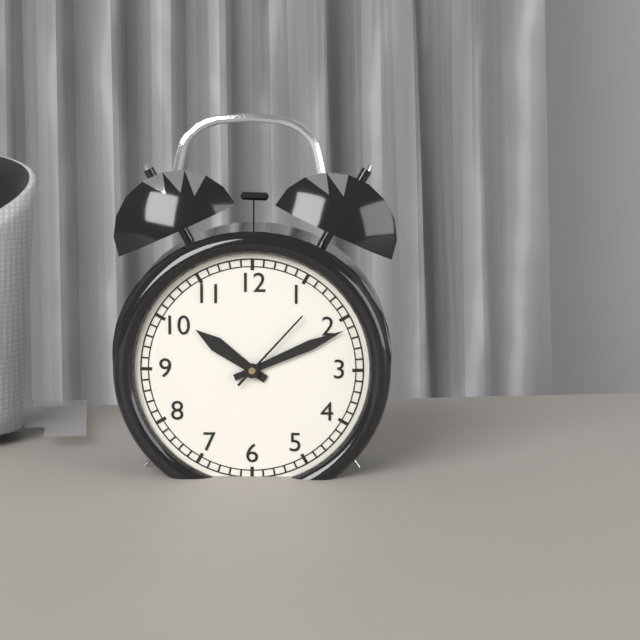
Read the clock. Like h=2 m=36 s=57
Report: h=10 m=11 s=7
